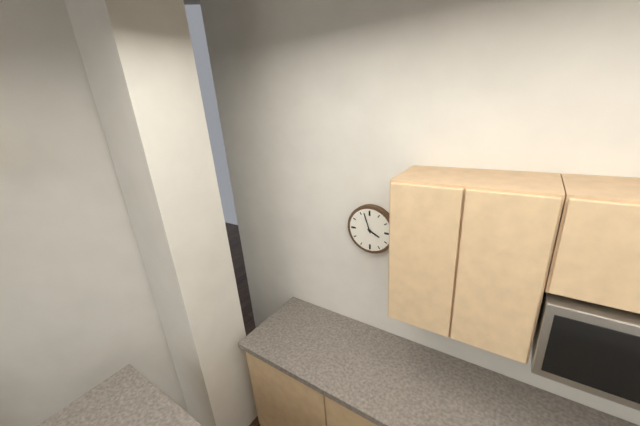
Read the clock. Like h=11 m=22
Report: h=3 m=57
